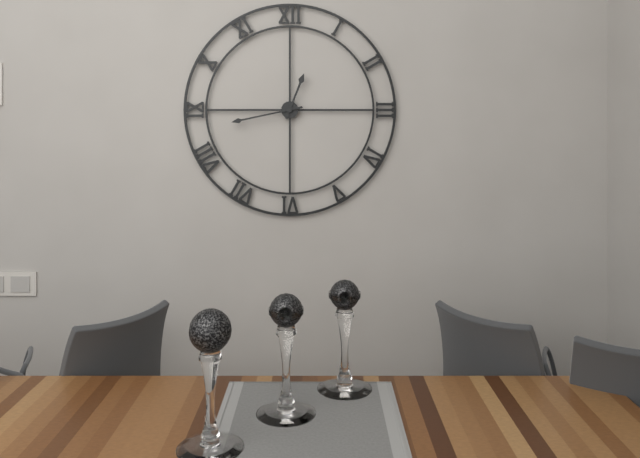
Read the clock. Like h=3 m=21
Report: h=12 m=43
